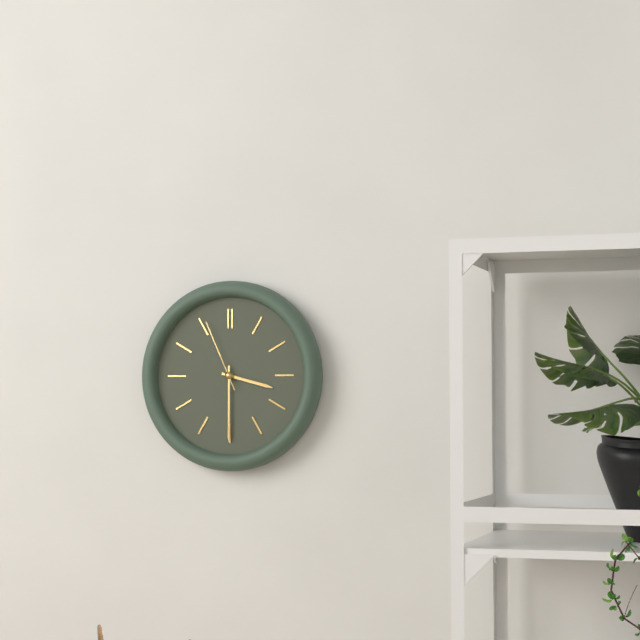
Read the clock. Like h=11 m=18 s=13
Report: h=3 m=30 s=56
